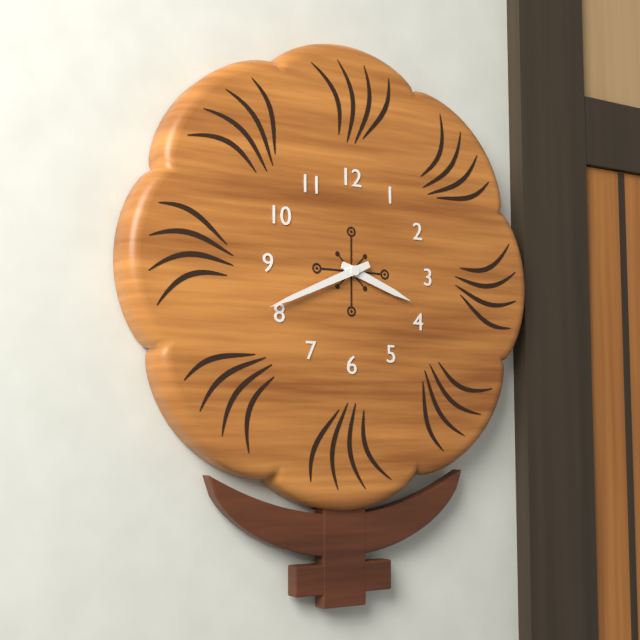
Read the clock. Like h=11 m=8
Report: h=3 m=41
